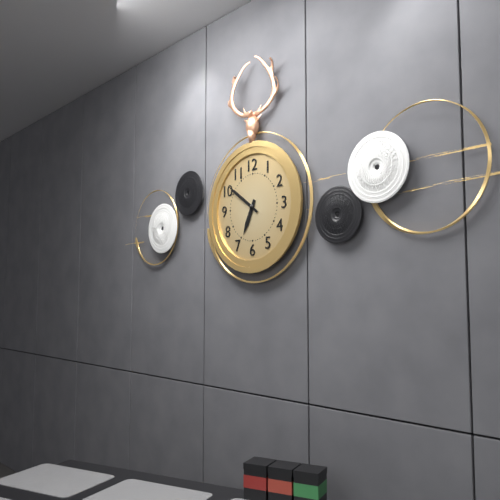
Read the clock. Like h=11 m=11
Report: h=6 m=51
